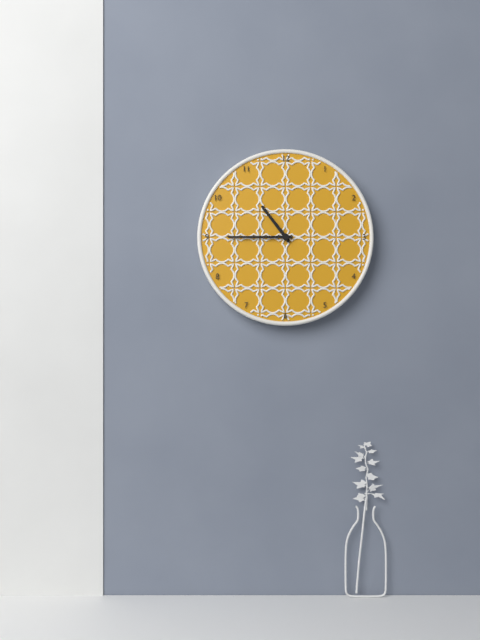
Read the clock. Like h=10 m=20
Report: h=10 m=45
